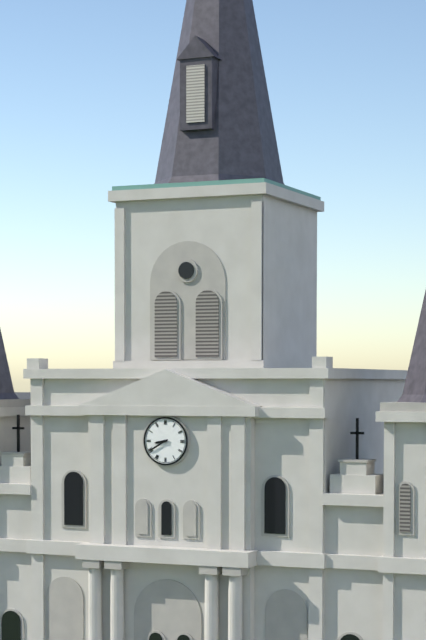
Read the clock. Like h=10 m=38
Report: h=8 m=40
